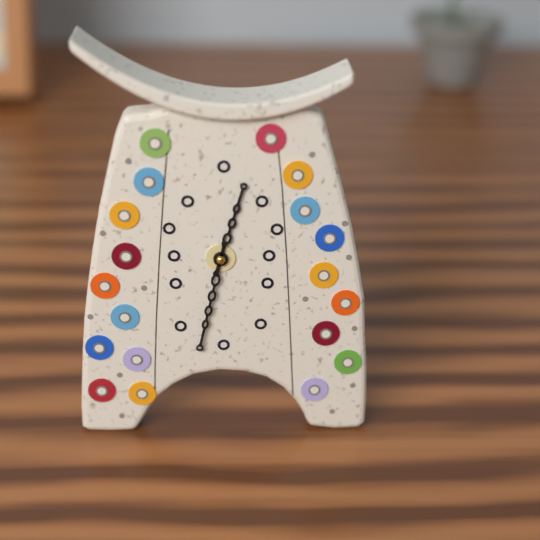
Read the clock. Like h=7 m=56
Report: h=12 m=32
